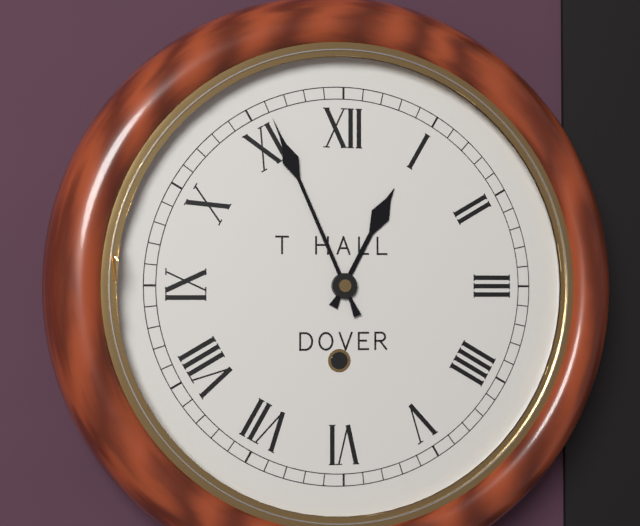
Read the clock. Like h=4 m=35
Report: h=12 m=56
